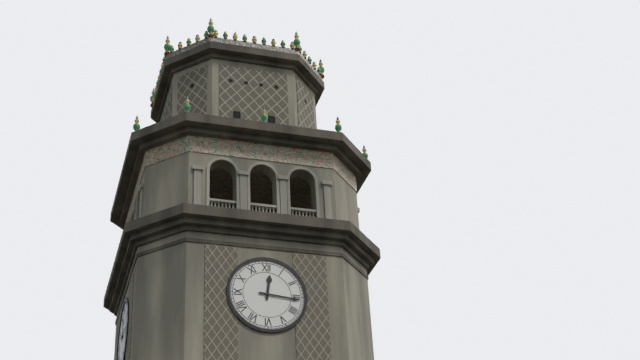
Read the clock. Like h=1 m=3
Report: h=12 m=16
